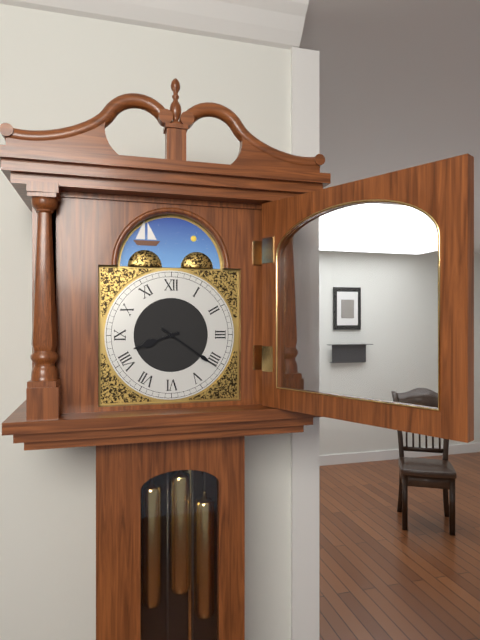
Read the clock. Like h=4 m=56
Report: h=8 m=21
